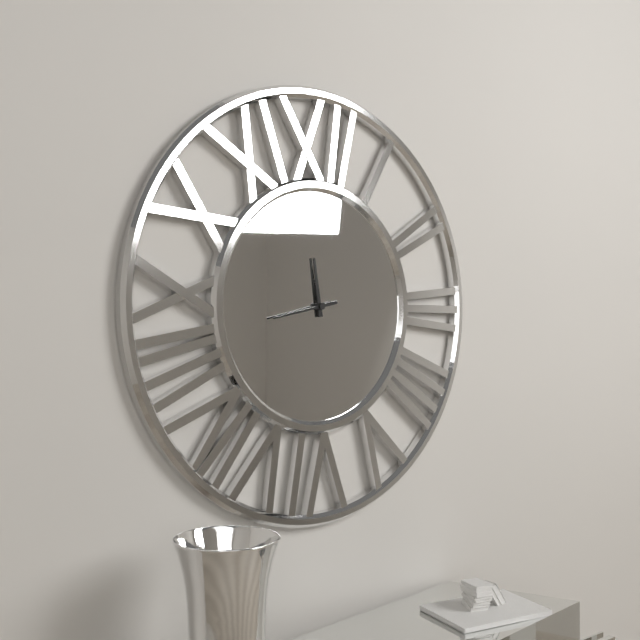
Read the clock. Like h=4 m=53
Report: h=11 m=43
